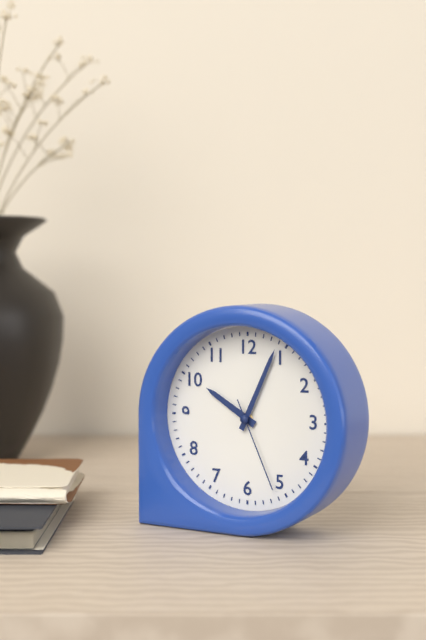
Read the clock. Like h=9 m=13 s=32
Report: h=10 m=4 s=26
